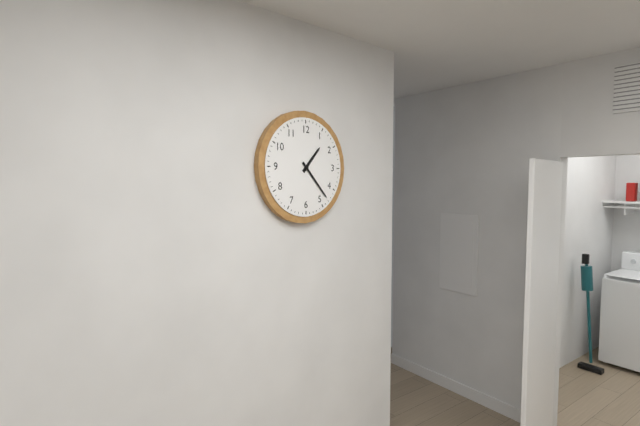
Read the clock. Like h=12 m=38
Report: h=1 m=23
